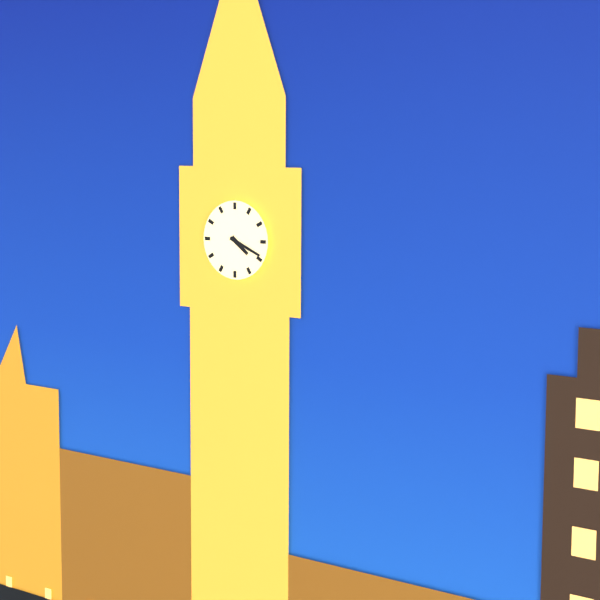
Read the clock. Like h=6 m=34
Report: h=4 m=19
